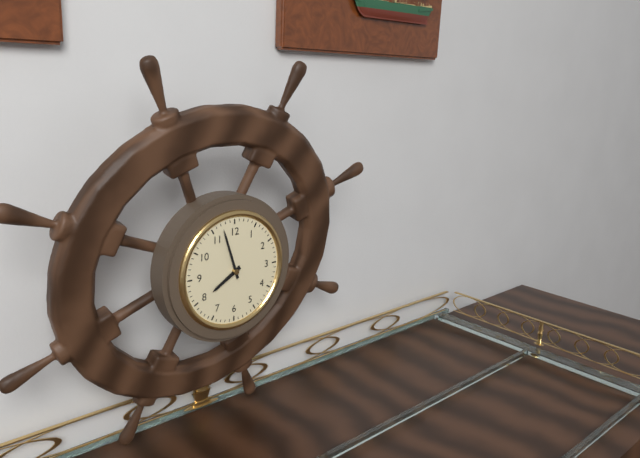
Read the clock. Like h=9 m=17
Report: h=7 m=57
